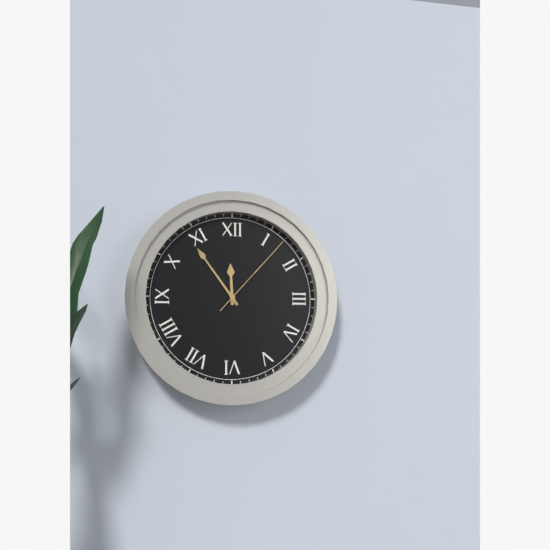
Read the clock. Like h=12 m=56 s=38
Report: h=11 m=54 s=7
